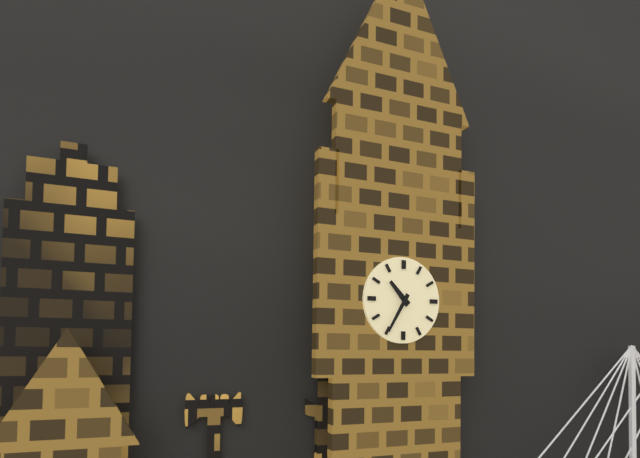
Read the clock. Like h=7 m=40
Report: h=10 m=35
